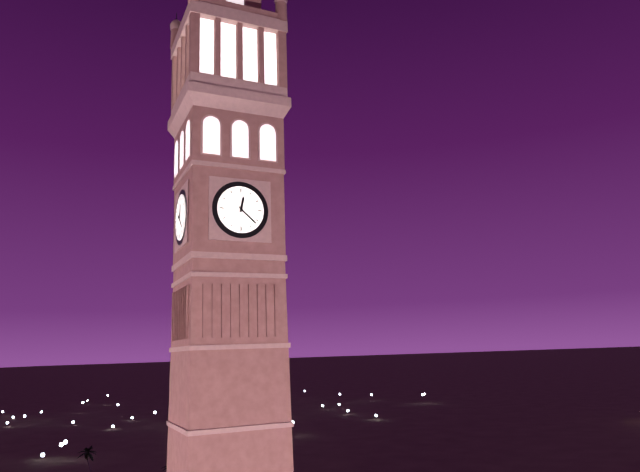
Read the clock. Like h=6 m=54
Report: h=12 m=22
